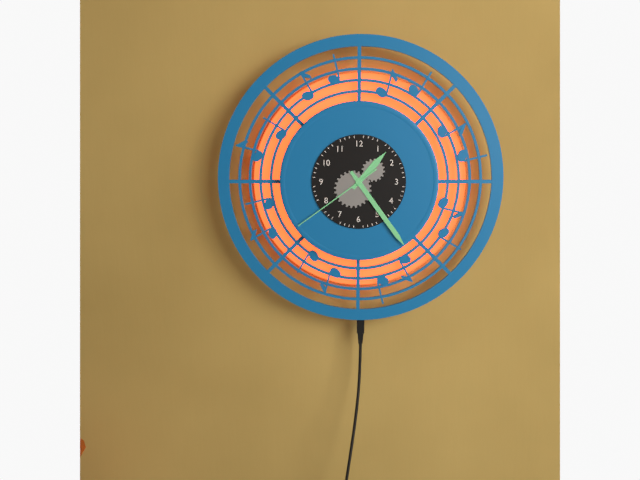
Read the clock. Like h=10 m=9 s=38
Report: h=1 m=24 s=39
